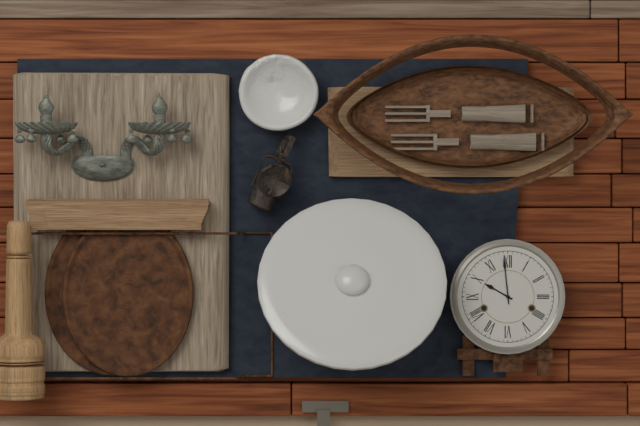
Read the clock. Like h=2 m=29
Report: h=9 m=59
